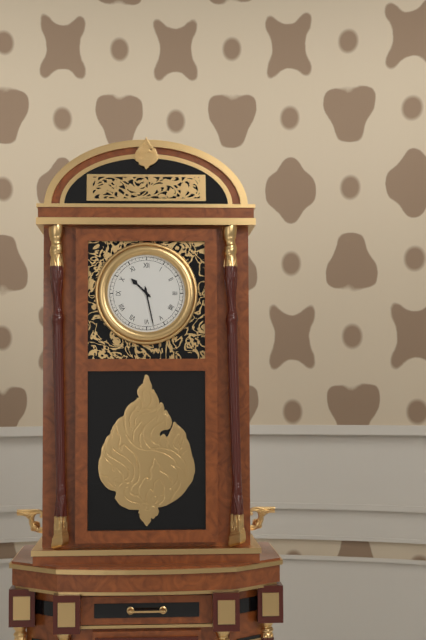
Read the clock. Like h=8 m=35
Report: h=10 m=28
